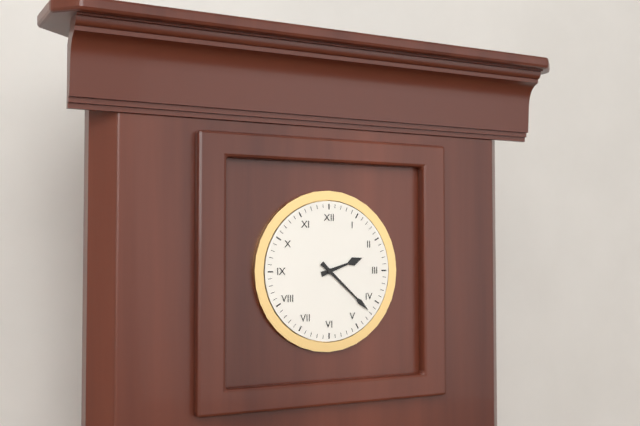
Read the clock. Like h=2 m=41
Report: h=2 m=22
